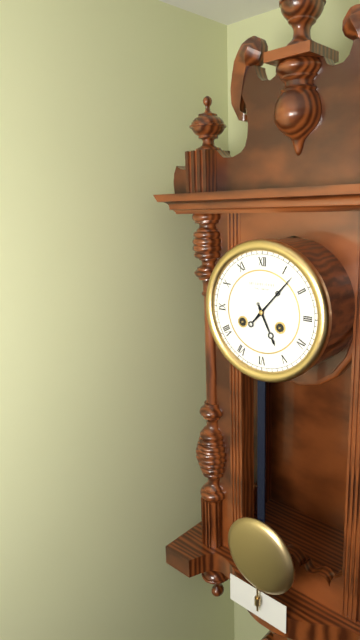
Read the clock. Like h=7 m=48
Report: h=5 m=7
